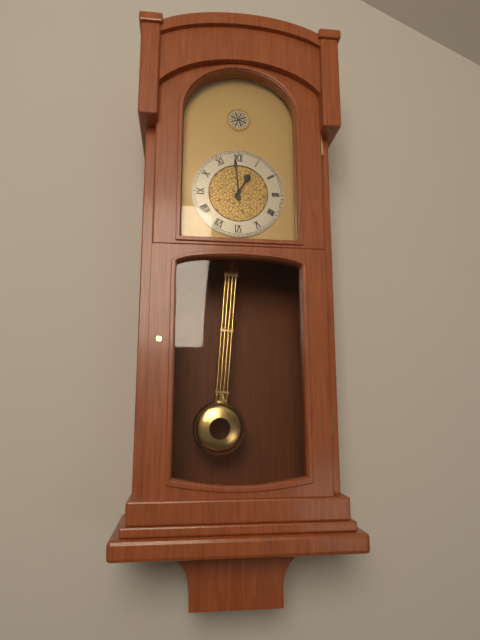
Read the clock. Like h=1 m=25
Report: h=12 m=59
